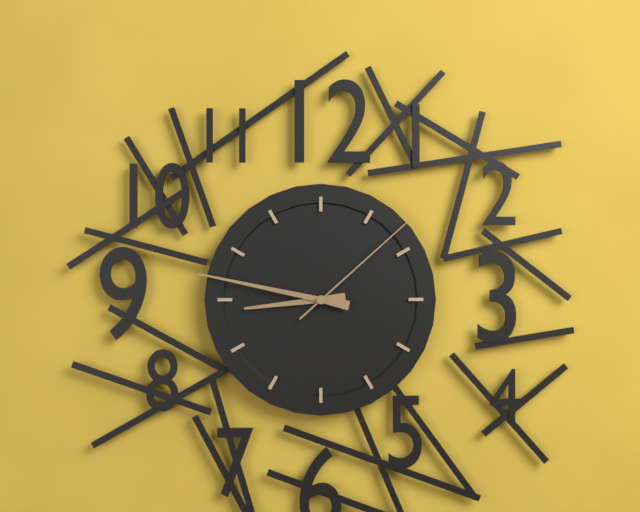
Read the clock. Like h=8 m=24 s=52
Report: h=8 m=47 s=8
